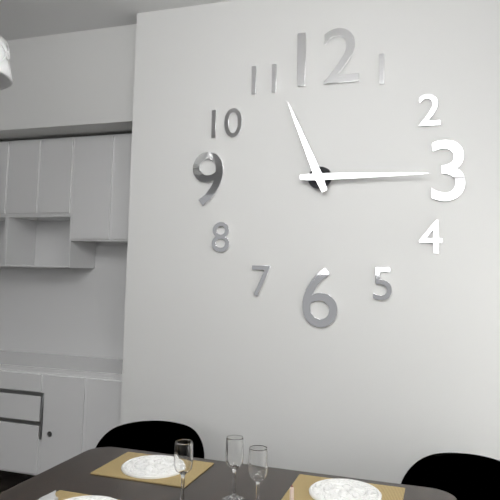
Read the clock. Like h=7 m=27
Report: h=11 m=15
